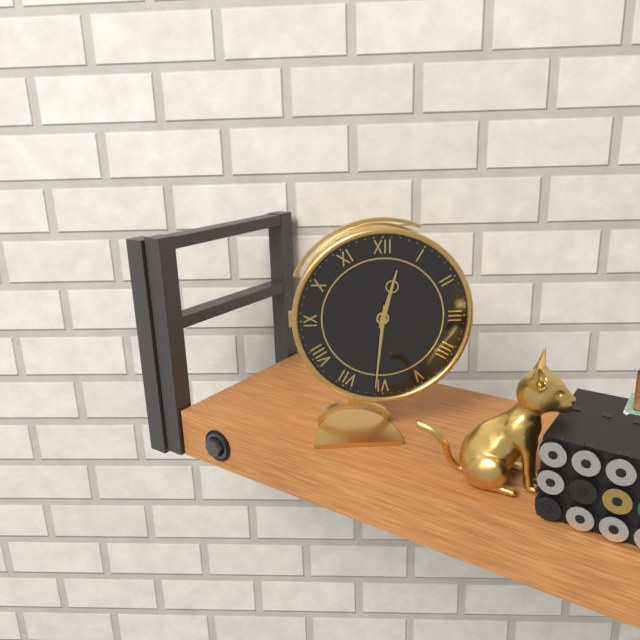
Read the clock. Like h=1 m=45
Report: h=12 m=31
